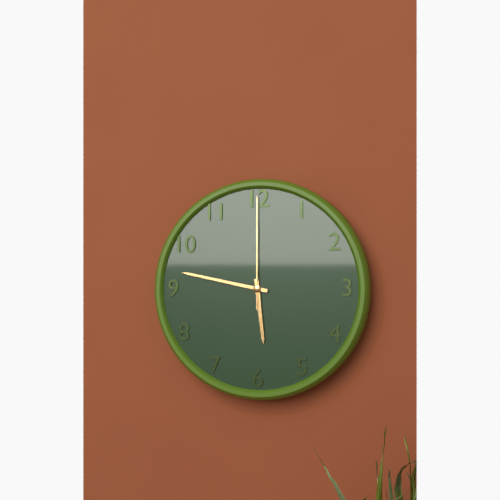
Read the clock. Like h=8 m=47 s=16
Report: h=5 m=47 s=0
